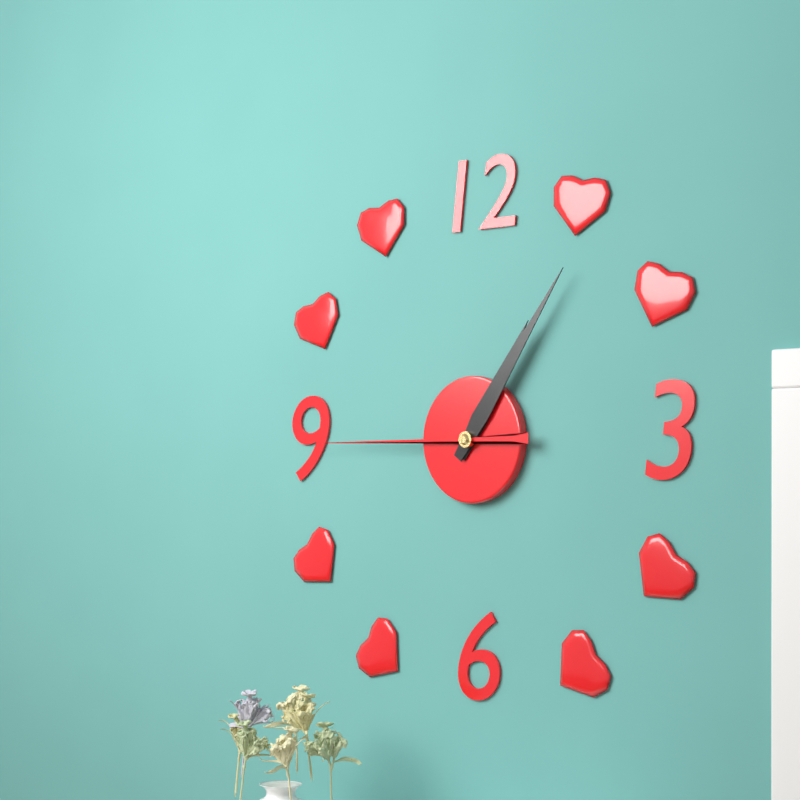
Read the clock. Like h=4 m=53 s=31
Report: h=1 m=6 s=45
